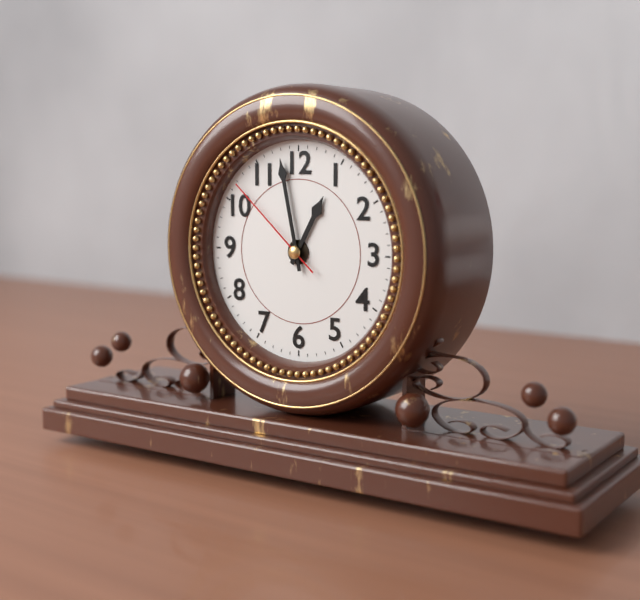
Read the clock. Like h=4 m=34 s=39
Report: h=12 m=58 s=52
